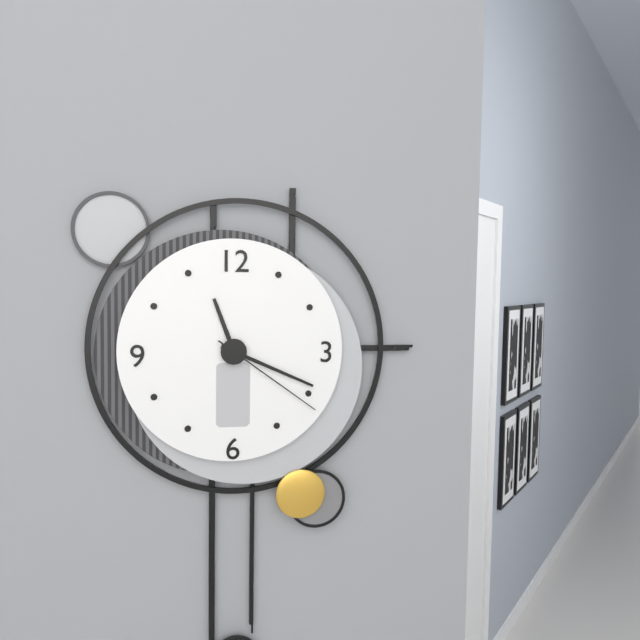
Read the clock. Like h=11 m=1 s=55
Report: h=11 m=19 s=21
